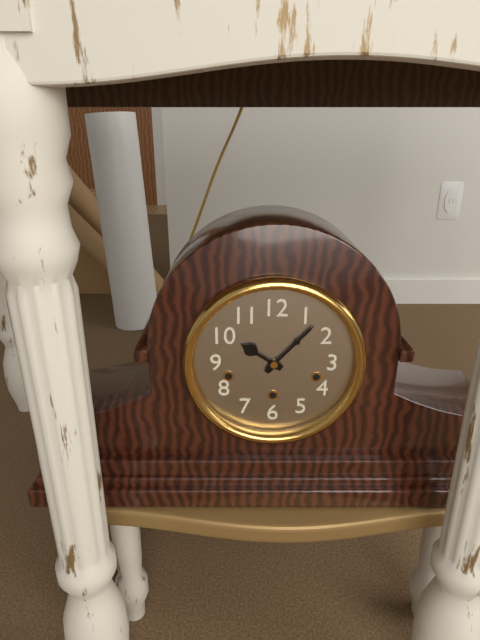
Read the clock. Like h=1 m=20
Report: h=10 m=7
